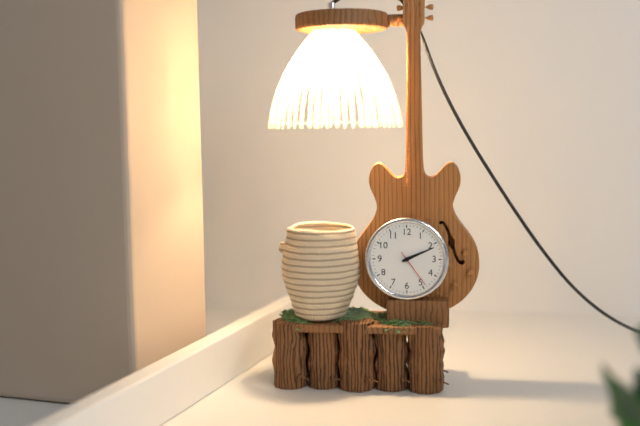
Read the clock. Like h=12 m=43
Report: h=2 m=11
